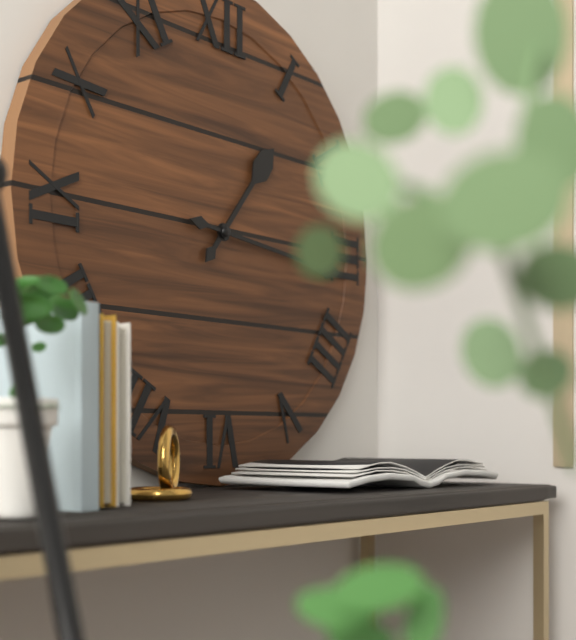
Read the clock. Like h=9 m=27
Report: h=1 m=16
